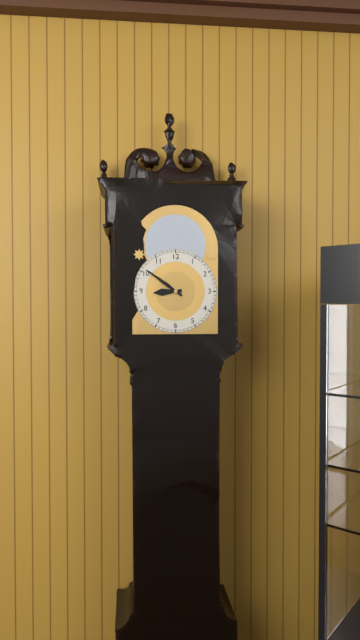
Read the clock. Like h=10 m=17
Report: h=8 m=51
